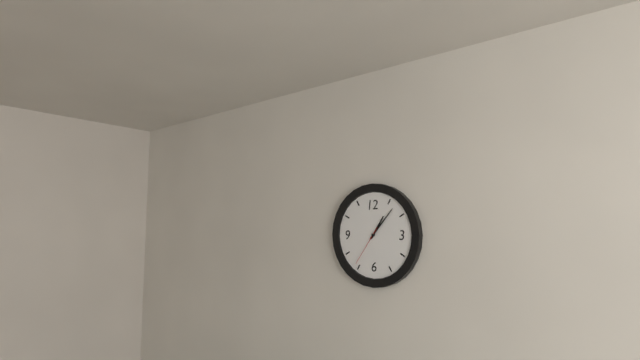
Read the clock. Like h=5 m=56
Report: h=1 m=7
